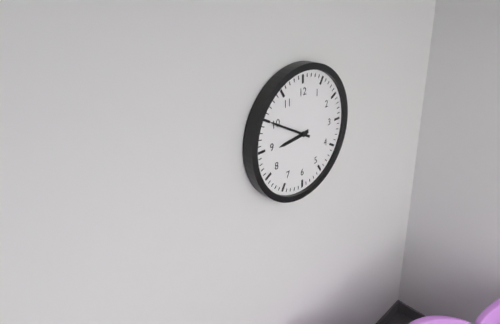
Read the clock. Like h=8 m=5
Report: h=8 m=50
